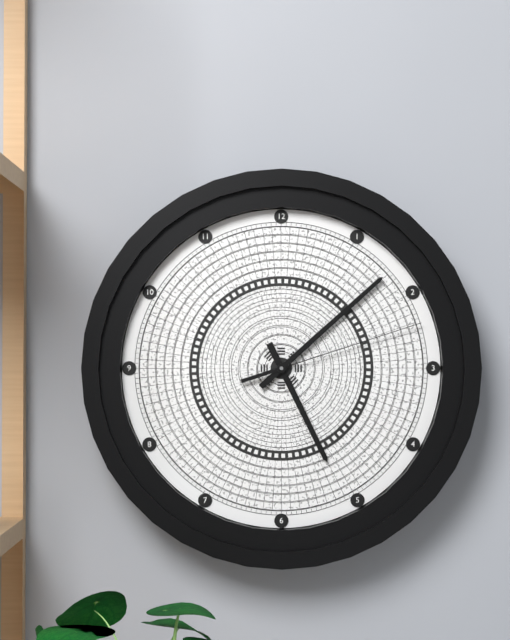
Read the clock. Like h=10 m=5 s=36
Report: h=5 m=8 s=12
